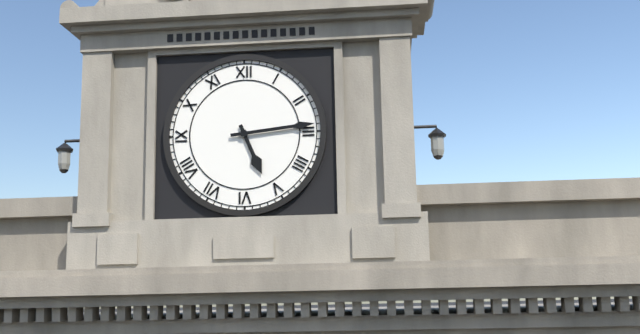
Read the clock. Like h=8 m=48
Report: h=5 m=14
